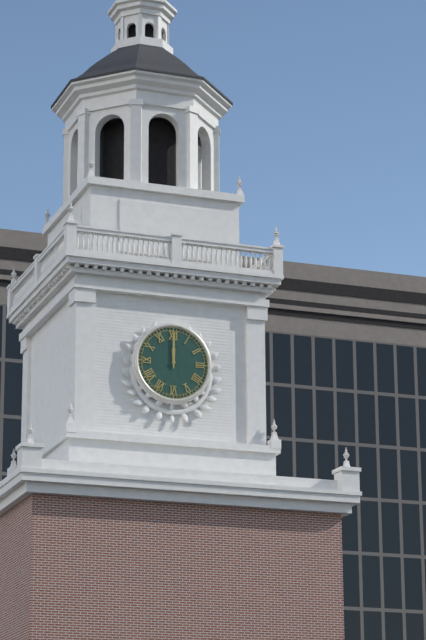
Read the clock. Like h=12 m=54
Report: h=12 m=0
